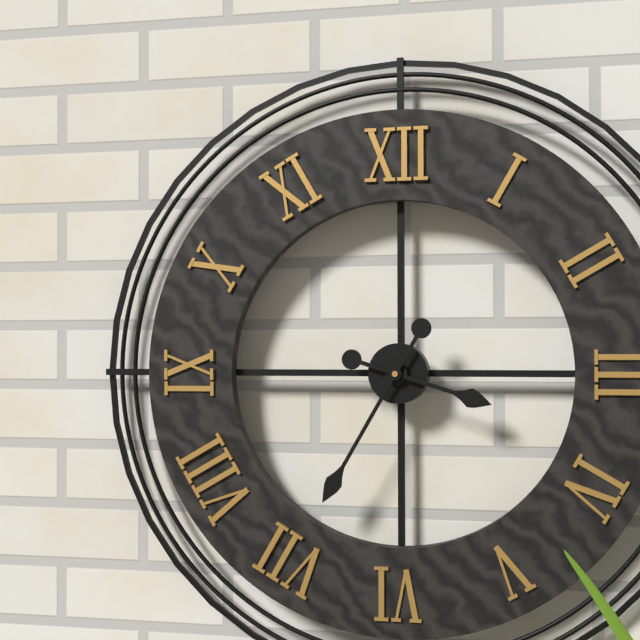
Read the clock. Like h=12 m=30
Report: h=3 m=35
